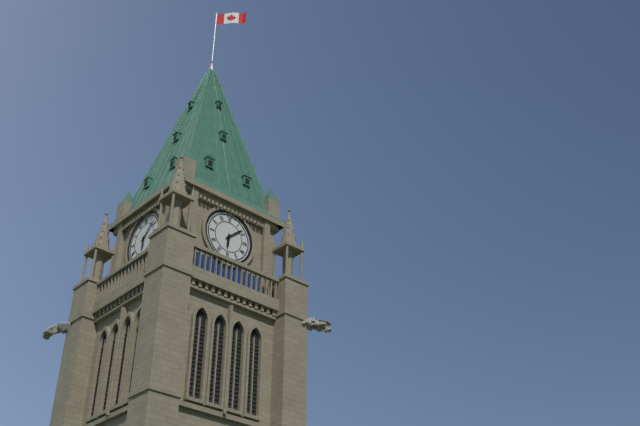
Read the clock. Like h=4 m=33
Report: h=6 m=8
